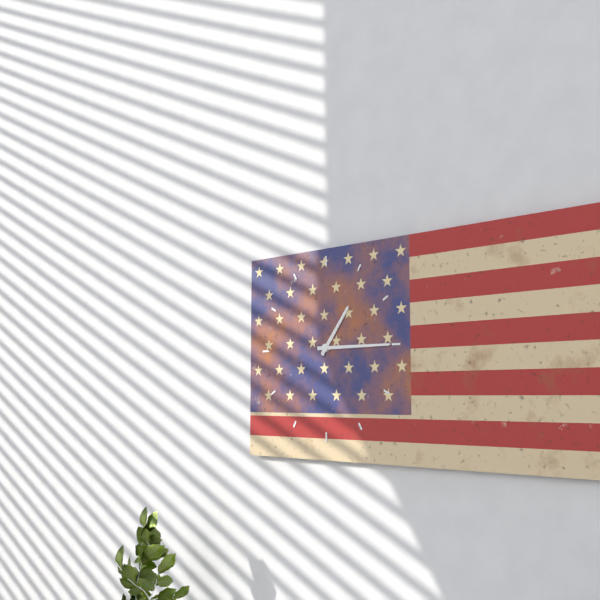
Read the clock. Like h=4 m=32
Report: h=1 m=15
